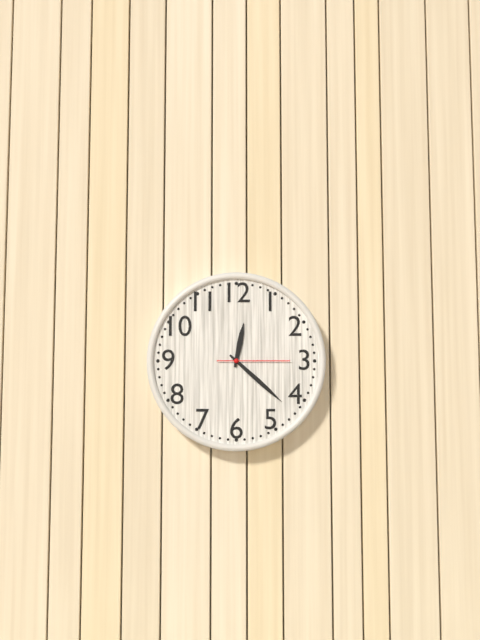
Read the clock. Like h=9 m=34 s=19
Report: h=12 m=22 s=15
